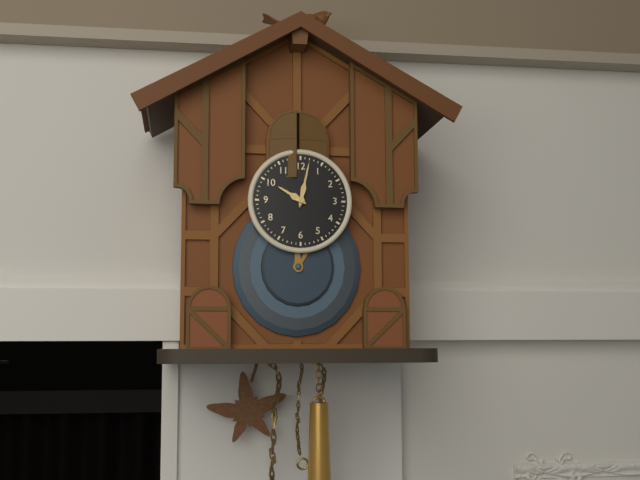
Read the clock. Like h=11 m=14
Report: h=10 m=2
